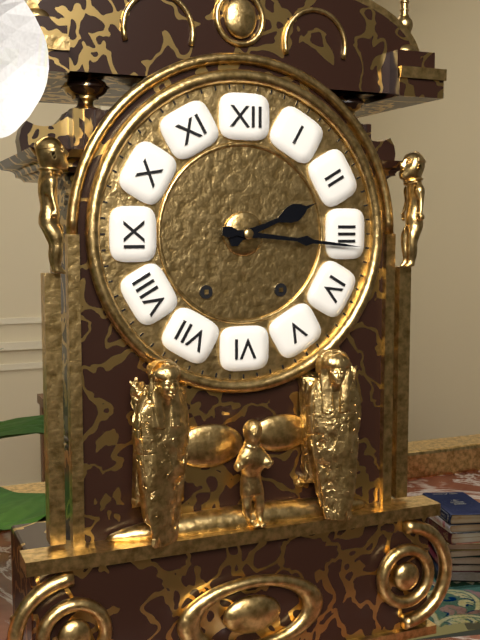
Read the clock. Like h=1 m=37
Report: h=2 m=16
